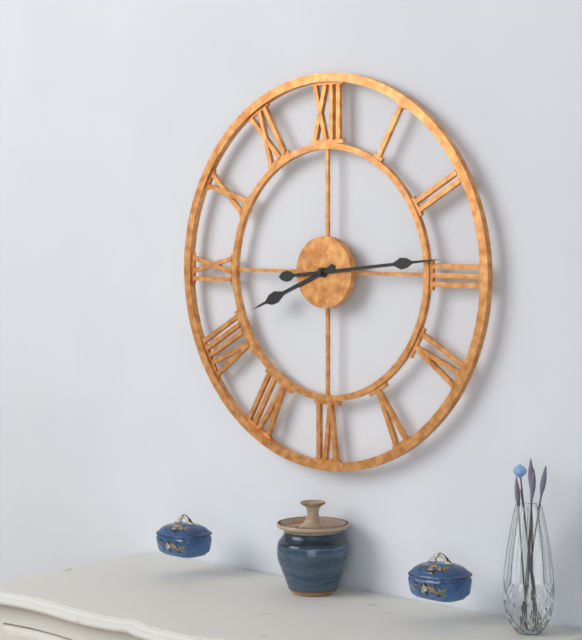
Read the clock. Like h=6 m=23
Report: h=8 m=14
